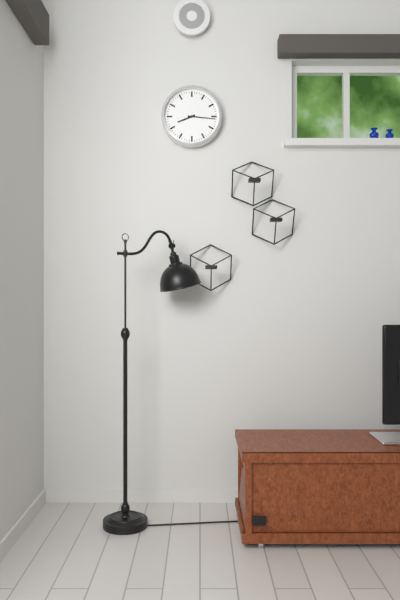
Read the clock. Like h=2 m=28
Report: h=8 m=16
